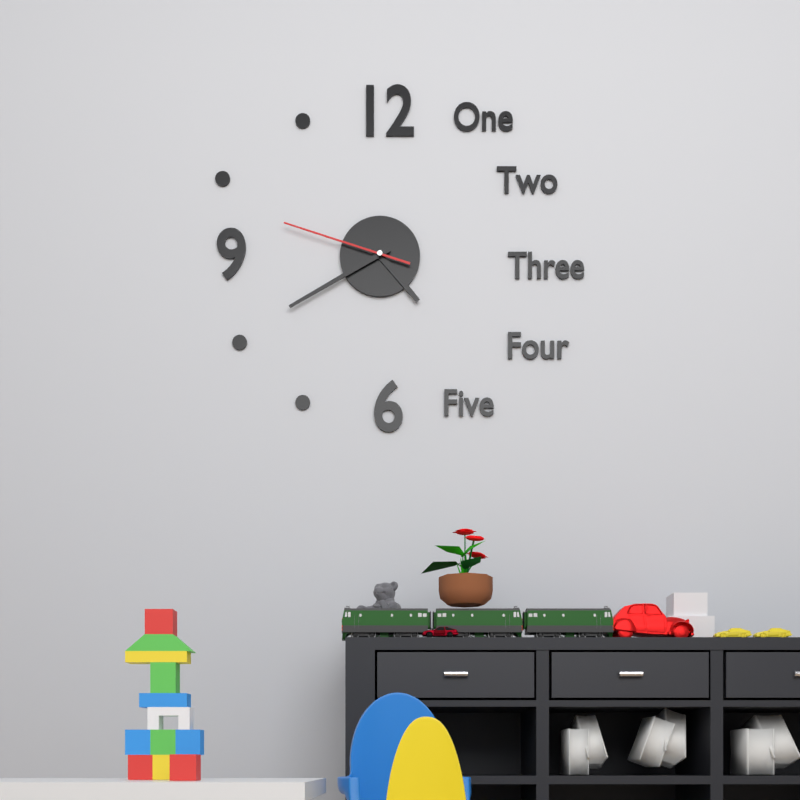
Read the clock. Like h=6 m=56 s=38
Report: h=4 m=40 s=48
